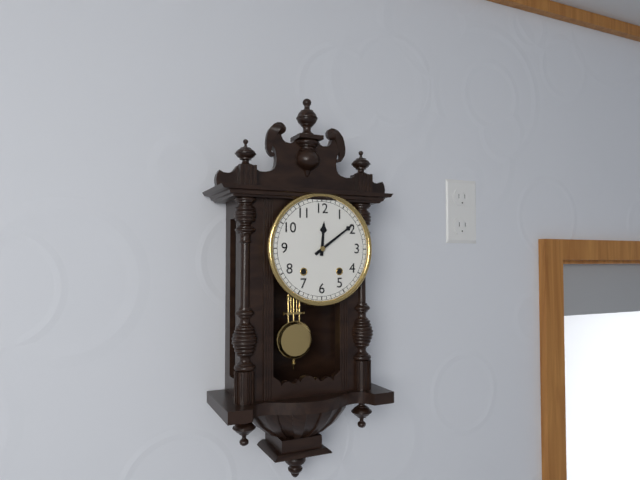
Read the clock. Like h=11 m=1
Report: h=12 m=9
